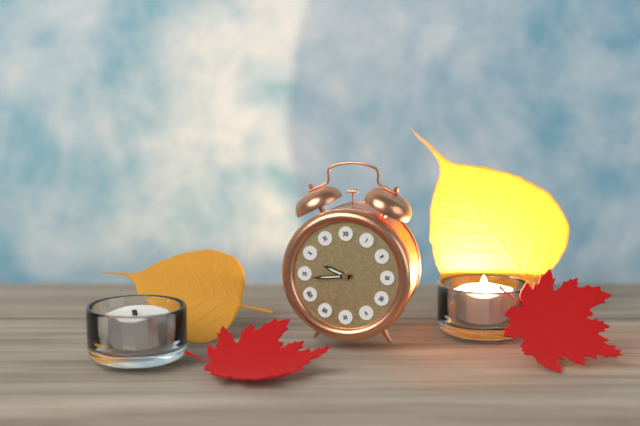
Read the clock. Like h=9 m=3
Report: h=9 m=44
